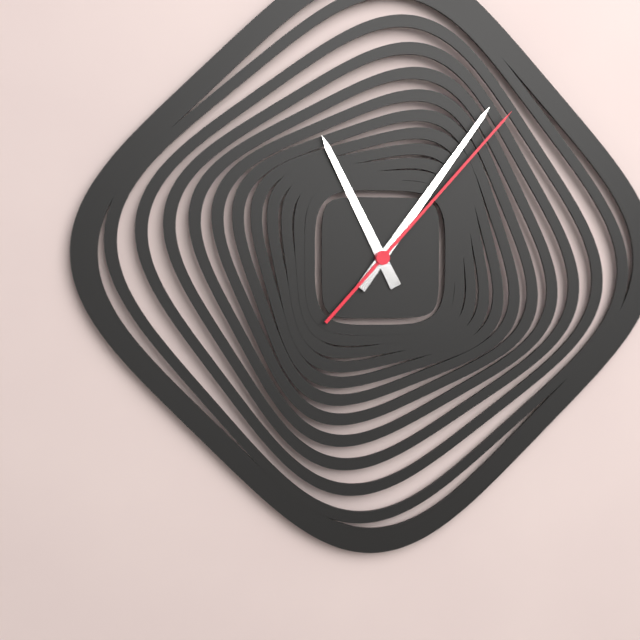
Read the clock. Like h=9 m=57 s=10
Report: h=11 m=6 s=7
